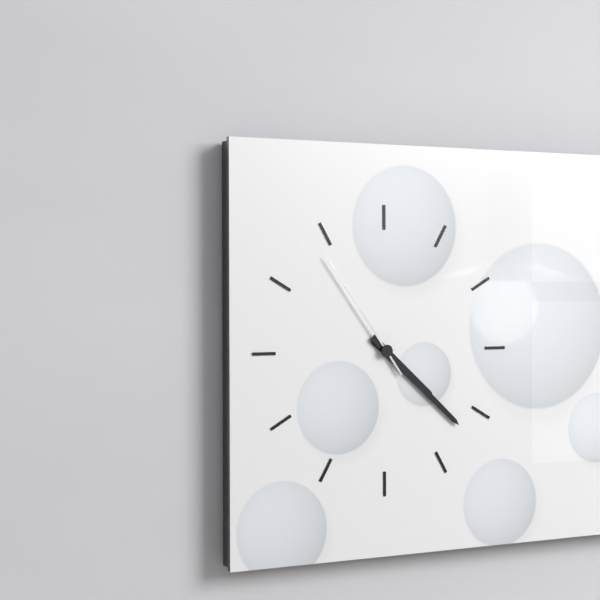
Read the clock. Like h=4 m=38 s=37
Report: h=4 m=22 s=54
